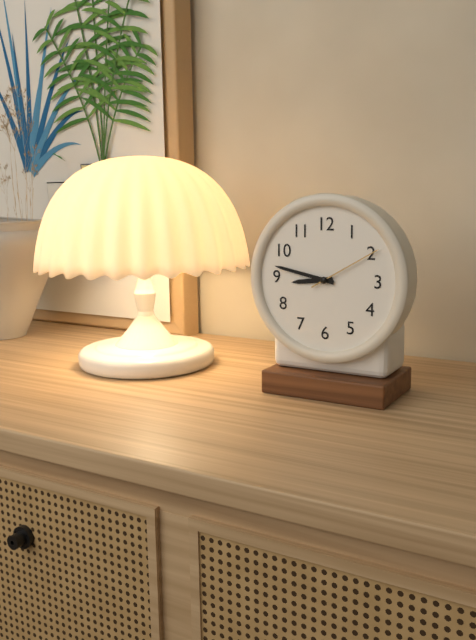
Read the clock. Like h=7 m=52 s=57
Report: h=8 m=47 s=10
